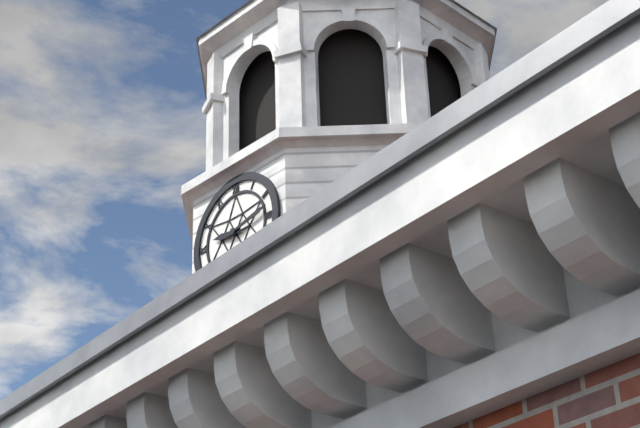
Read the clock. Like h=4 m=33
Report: h=9 m=13
